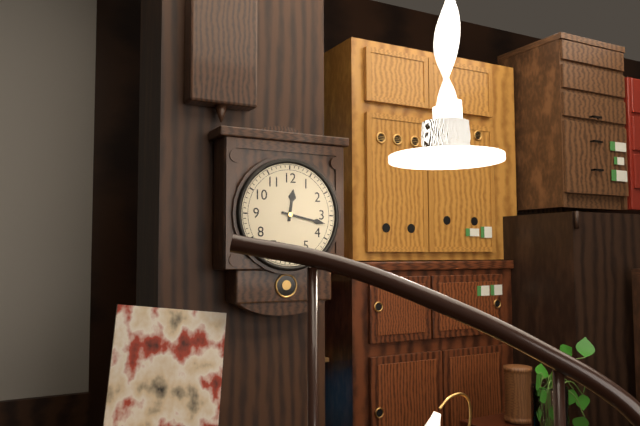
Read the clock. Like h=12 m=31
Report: h=12 m=17
